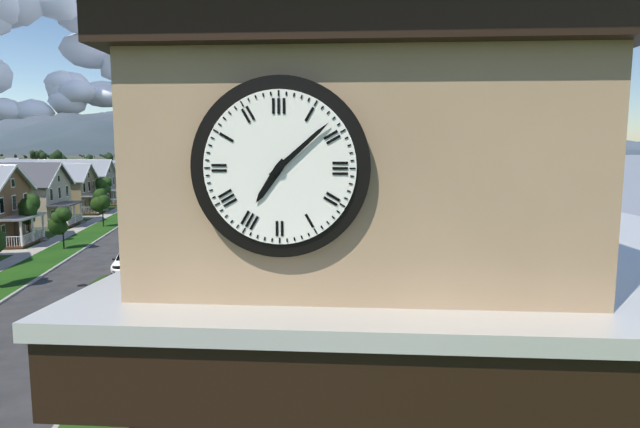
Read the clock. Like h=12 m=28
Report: h=7 m=8
